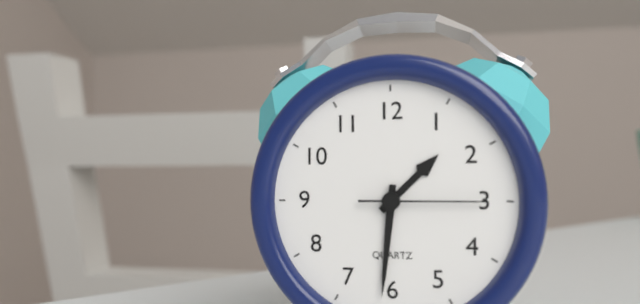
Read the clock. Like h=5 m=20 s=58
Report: h=1 m=31 s=15
